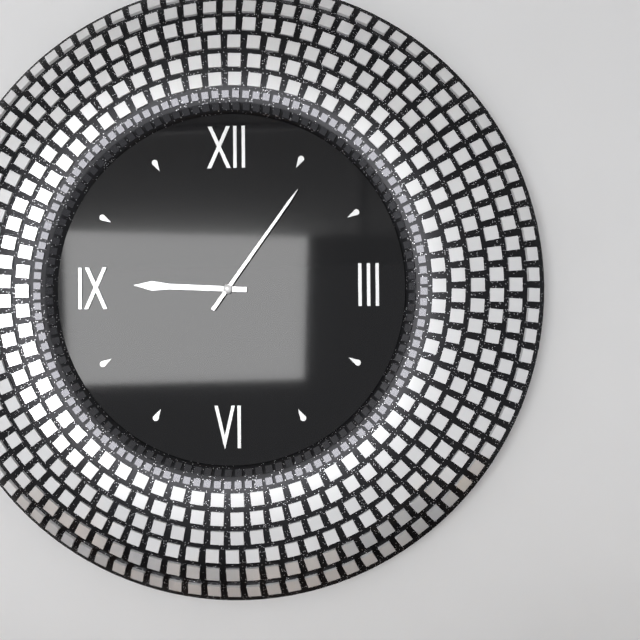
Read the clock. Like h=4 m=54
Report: h=9 m=6
